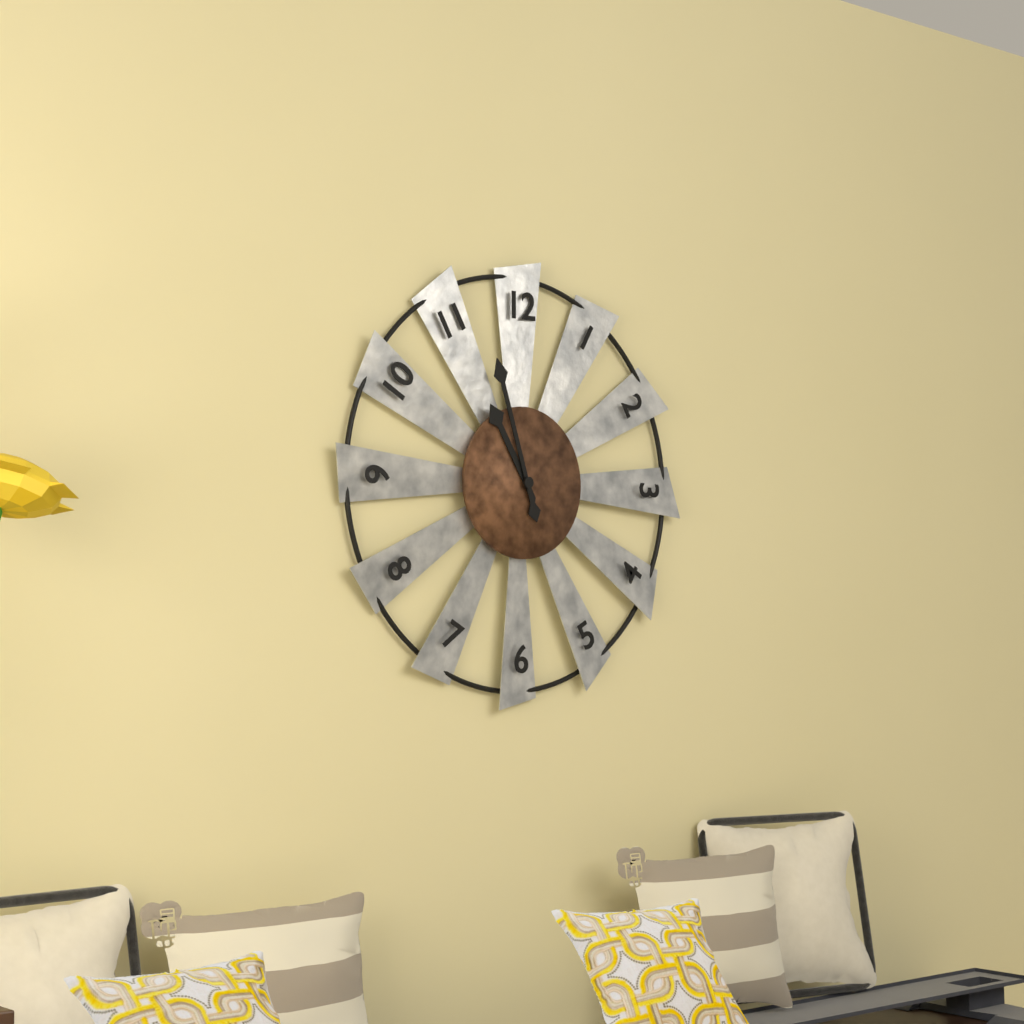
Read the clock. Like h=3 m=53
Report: h=10 m=57
